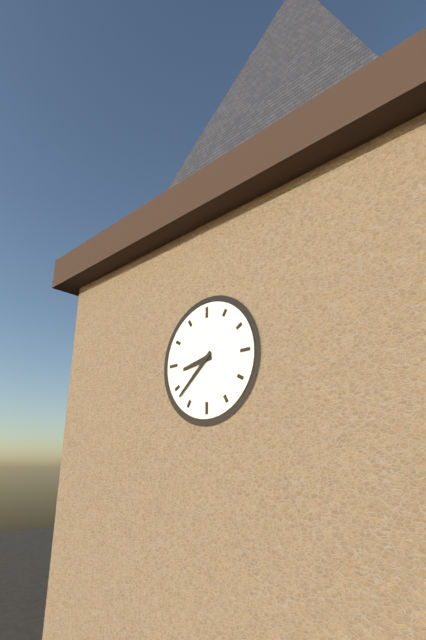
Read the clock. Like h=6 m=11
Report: h=8 m=38
